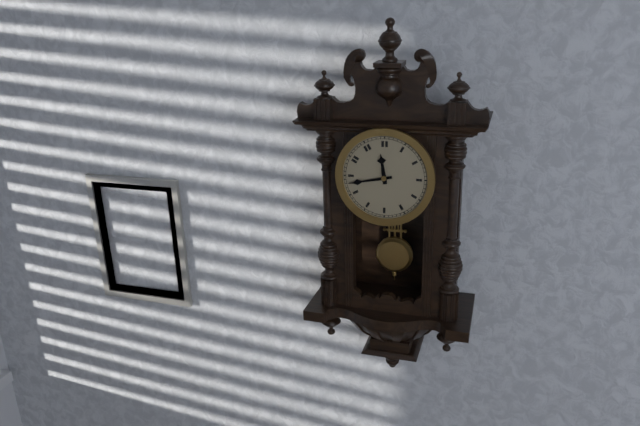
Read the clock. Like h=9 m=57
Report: h=11 m=43
